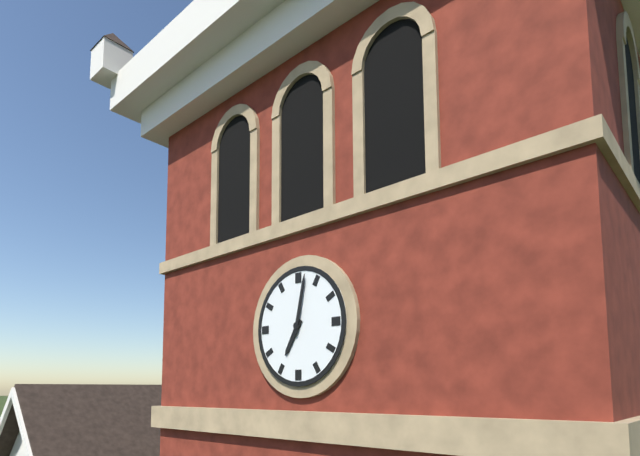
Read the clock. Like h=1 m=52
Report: h=7 m=2
